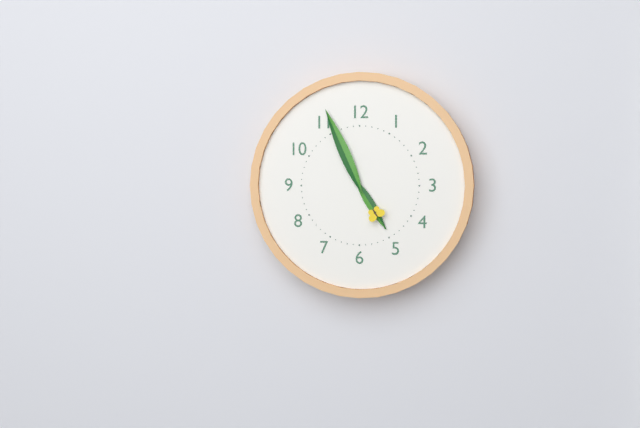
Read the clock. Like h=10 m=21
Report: h=4 m=56
